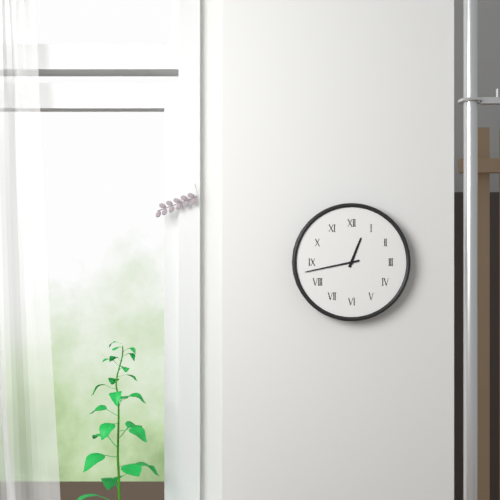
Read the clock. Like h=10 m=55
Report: h=12 m=43
